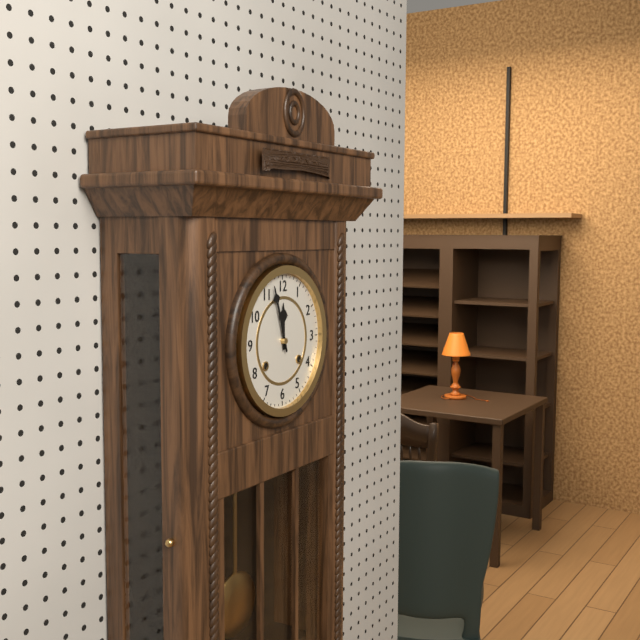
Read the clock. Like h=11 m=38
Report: h=11 m=57
